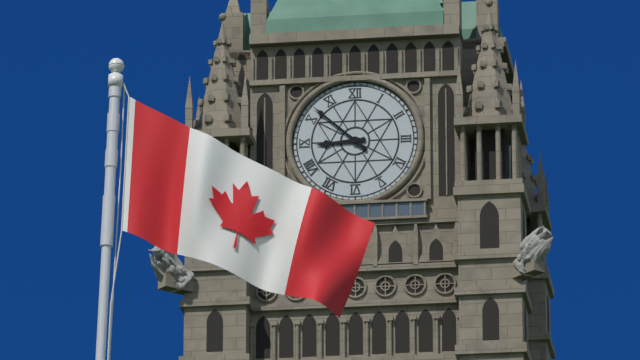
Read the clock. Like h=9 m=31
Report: h=8 m=52
